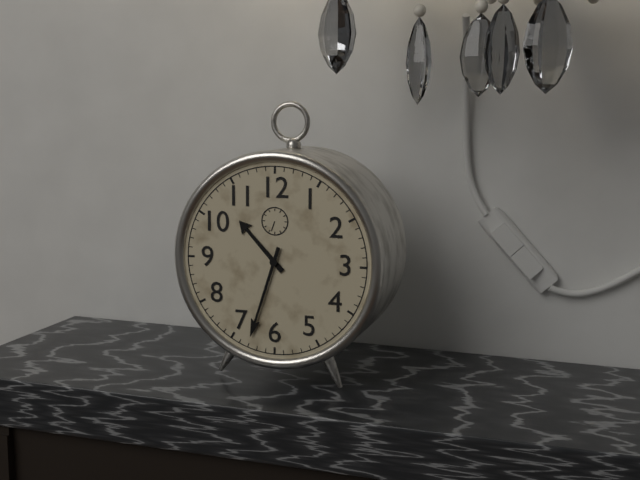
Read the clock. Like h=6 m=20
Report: h=10 m=33
